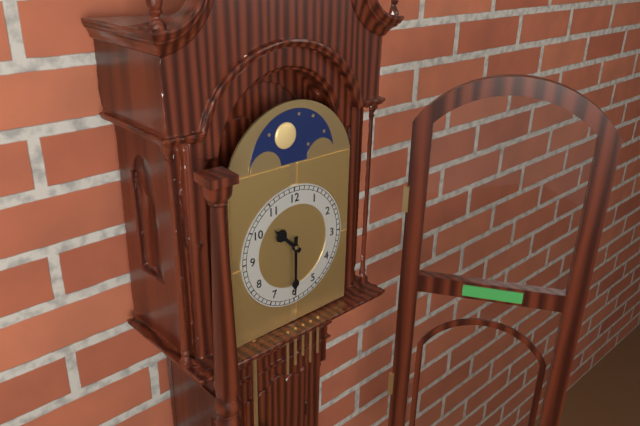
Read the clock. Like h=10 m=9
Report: h=10 m=30
